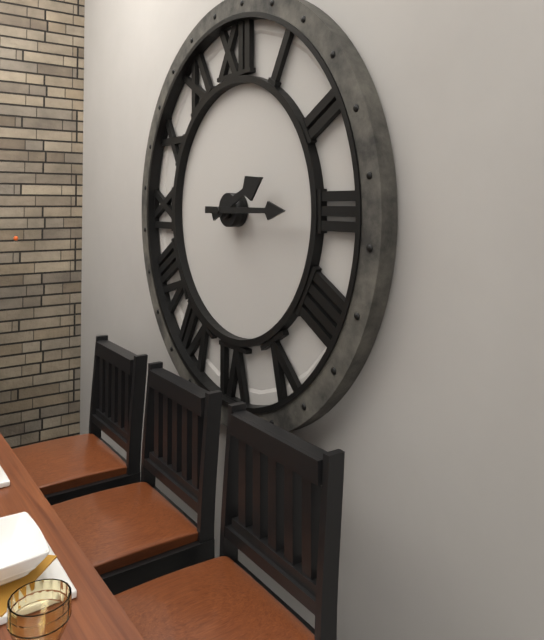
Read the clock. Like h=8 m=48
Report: h=2 m=15
